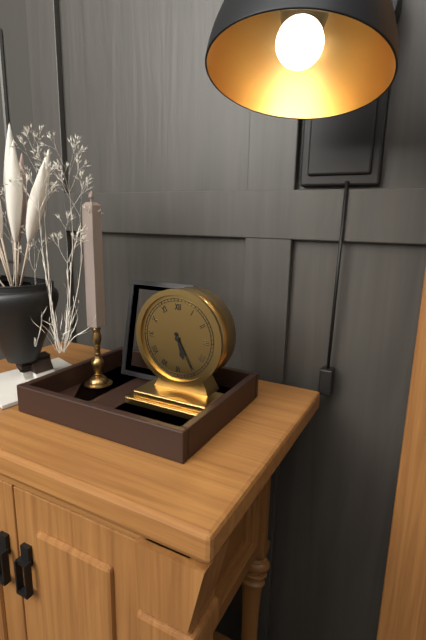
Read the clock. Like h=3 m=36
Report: h=5 m=25
